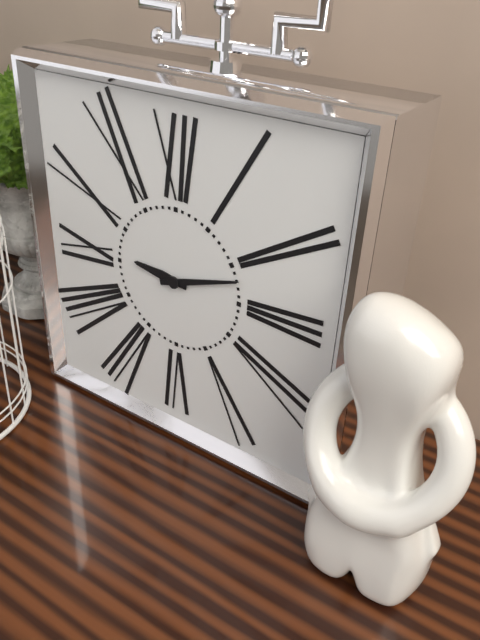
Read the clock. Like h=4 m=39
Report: h=9 m=12
